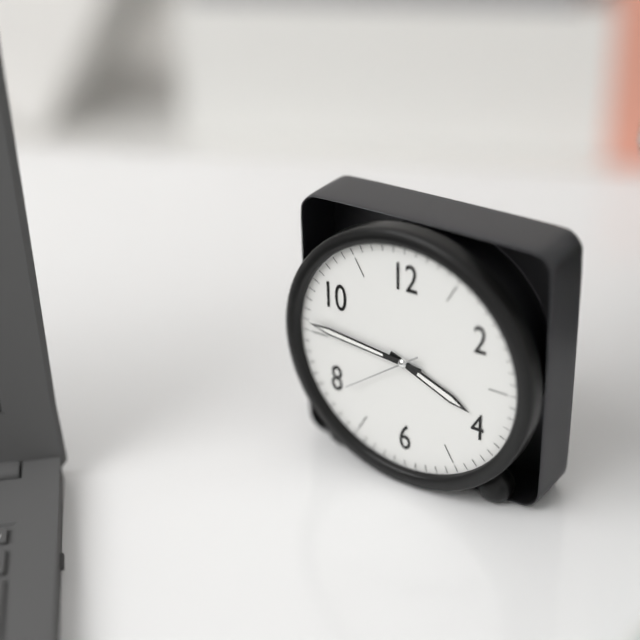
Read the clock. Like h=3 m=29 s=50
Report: h=3 m=46 s=39
